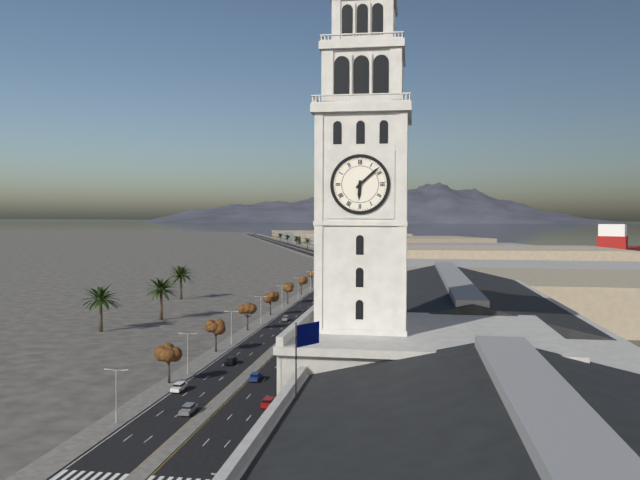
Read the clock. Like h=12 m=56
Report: h=6 m=8
